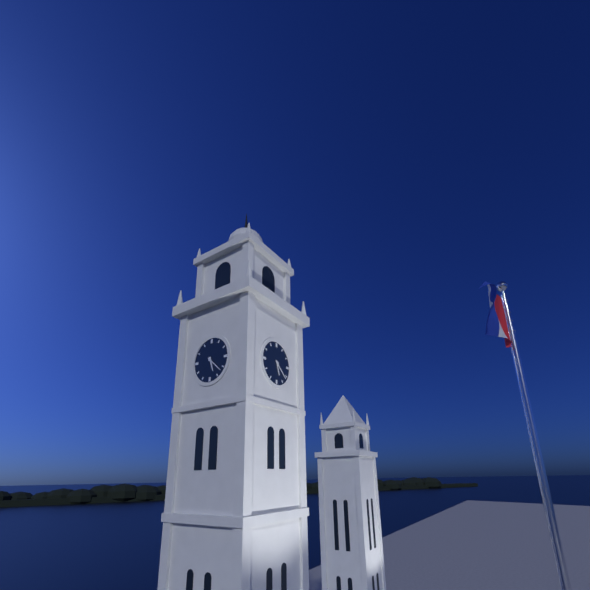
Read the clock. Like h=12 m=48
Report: h=5 m=22
